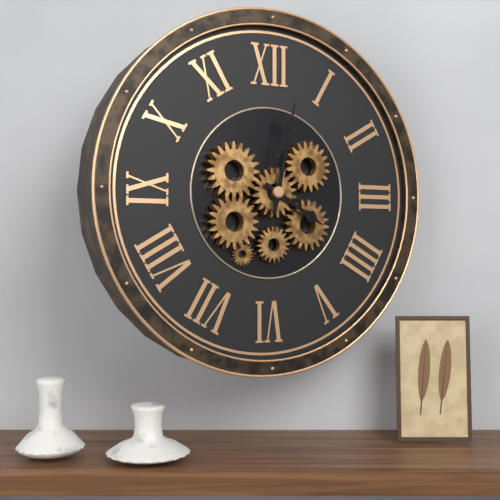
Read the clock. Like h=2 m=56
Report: h=4 m=2
